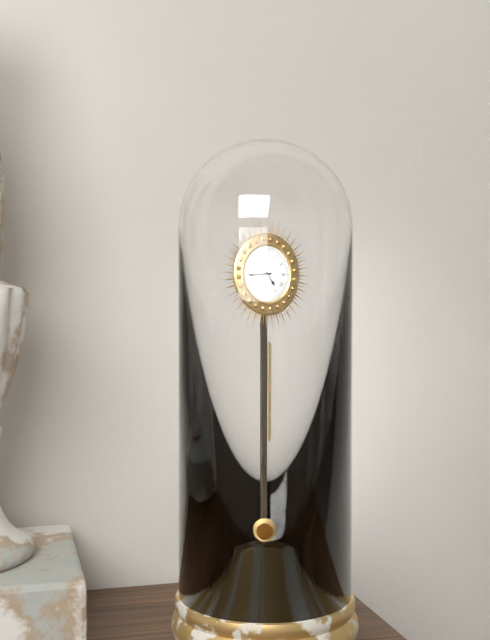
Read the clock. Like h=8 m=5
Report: h=4 m=44
